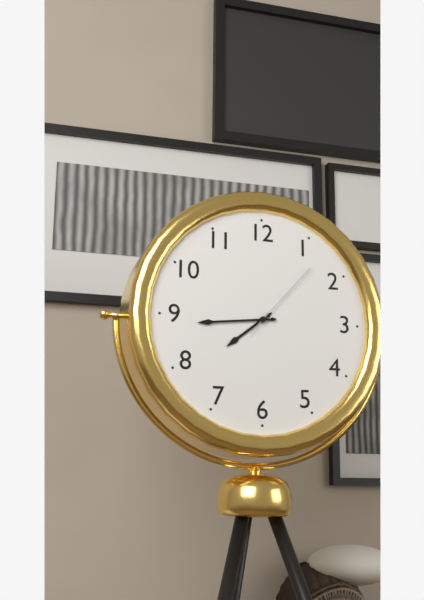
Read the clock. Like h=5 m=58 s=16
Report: h=7 m=44 s=7
